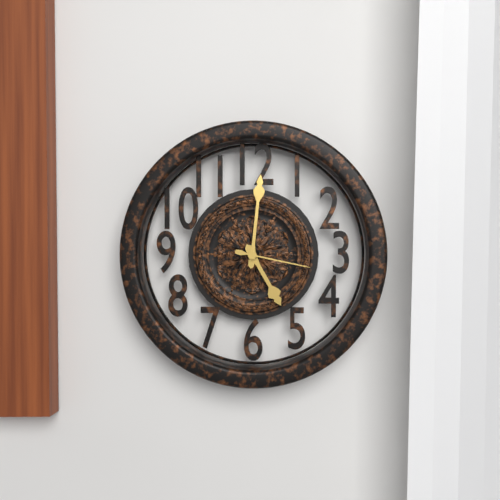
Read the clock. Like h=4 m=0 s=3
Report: h=5 m=1 s=17
